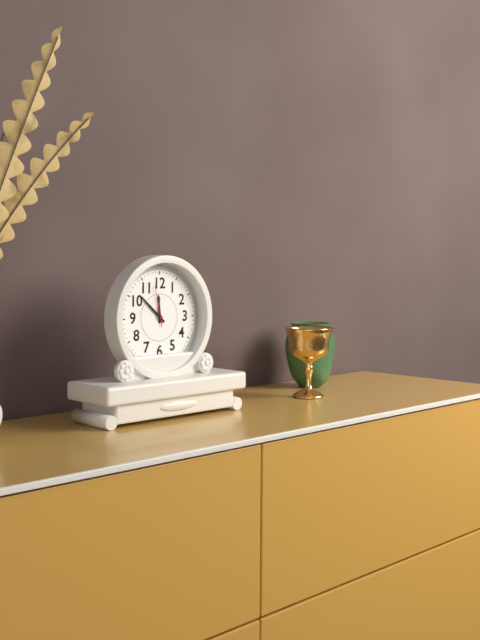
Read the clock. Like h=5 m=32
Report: h=11 m=52
